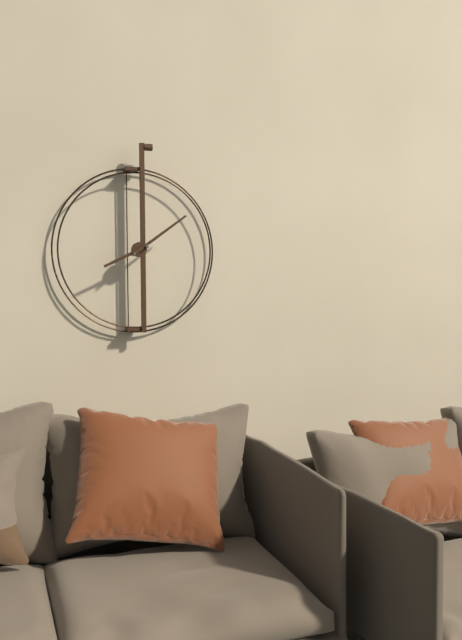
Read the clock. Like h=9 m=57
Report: h=8 m=9
